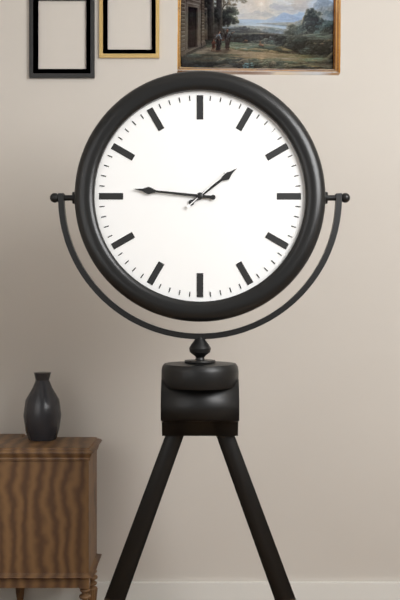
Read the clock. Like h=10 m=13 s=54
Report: h=1 m=46 s=8
